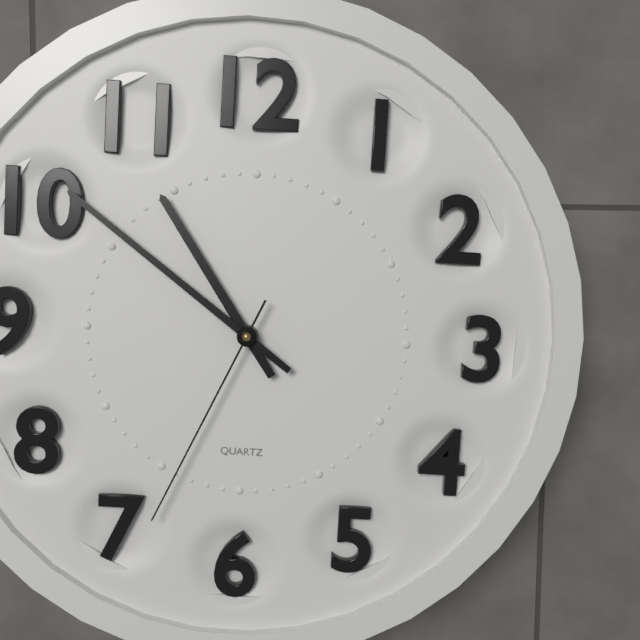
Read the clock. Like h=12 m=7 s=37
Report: h=10 m=51 s=34
